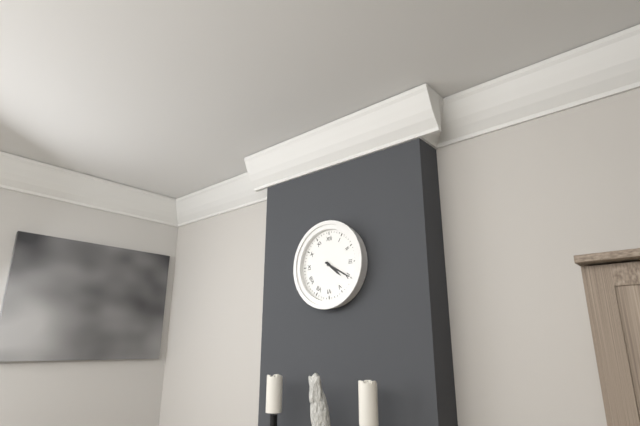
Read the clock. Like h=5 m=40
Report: h=4 m=20
